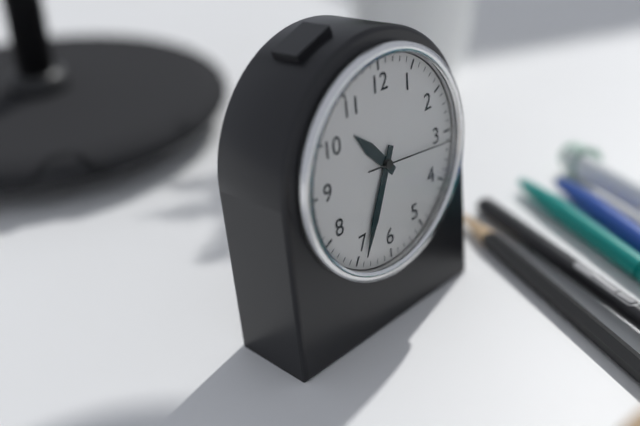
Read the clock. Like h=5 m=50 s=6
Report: h=10 m=34 s=16
